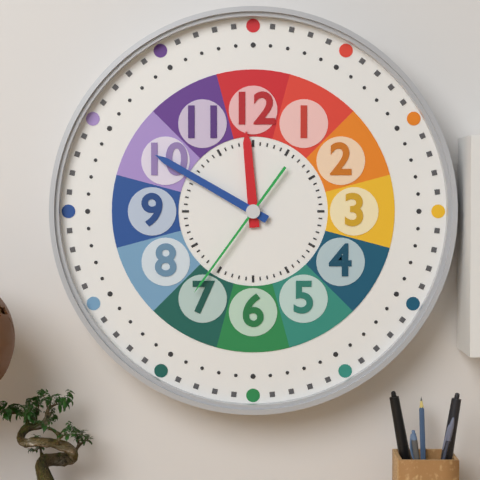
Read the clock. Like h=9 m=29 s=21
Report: h=11 m=50 s=36
